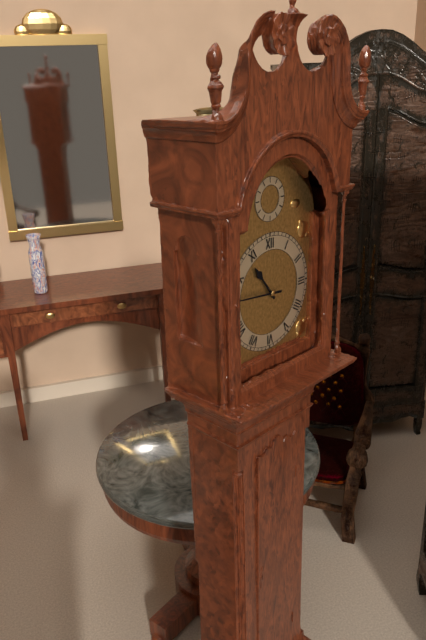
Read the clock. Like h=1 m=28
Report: h=10 m=46
